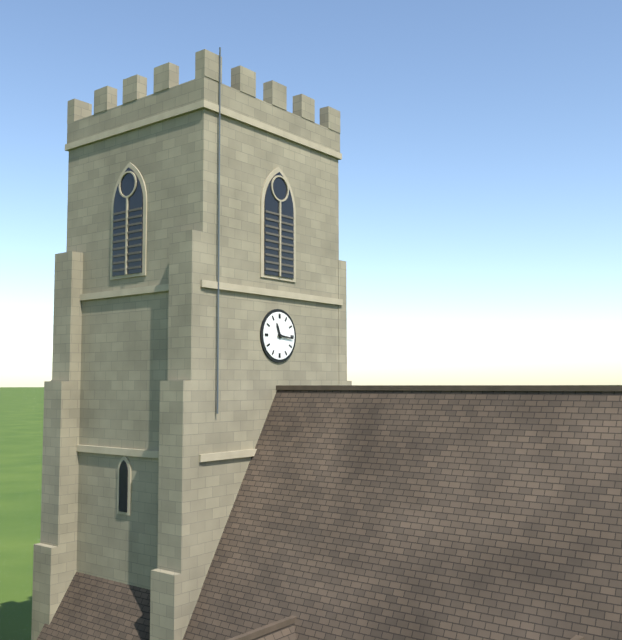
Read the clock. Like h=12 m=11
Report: h=11 m=16
